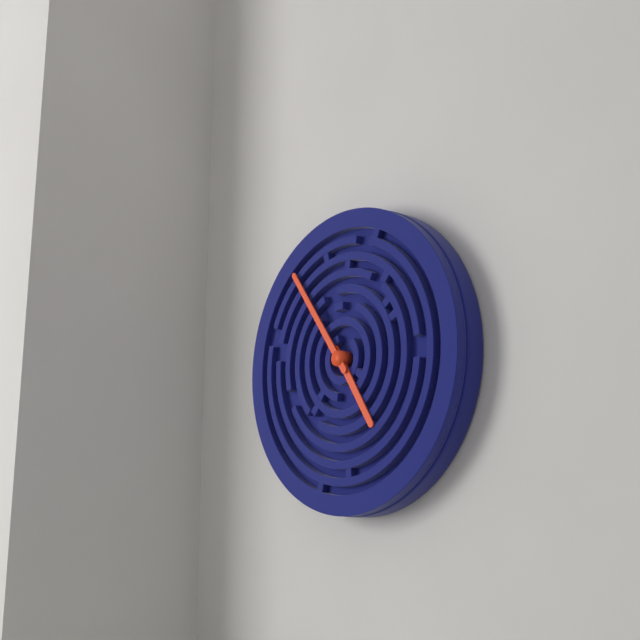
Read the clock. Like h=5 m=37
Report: h=4 m=54
